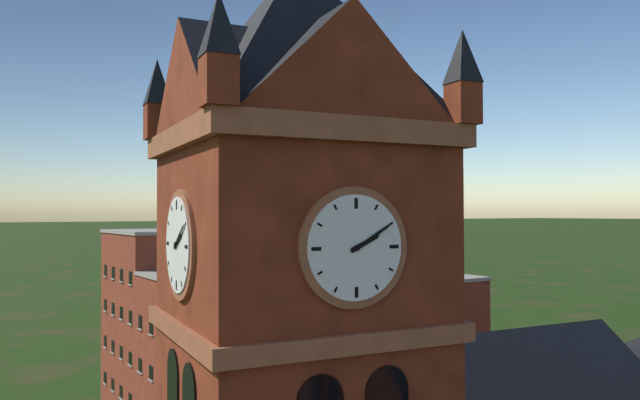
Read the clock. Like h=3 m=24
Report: h=2 m=10
